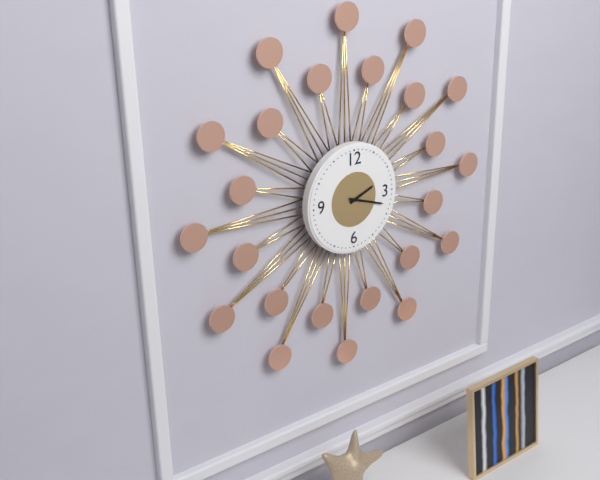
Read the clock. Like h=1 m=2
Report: h=2 m=18
